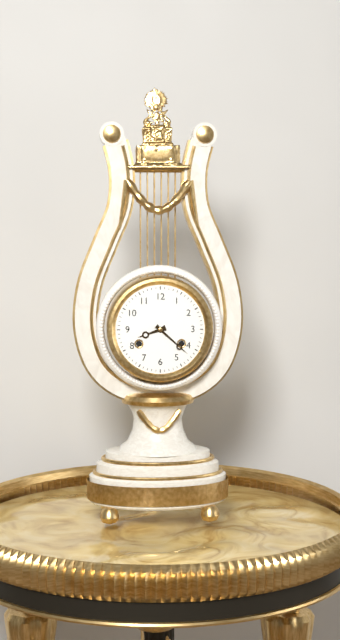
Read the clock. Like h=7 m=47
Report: h=8 m=22
